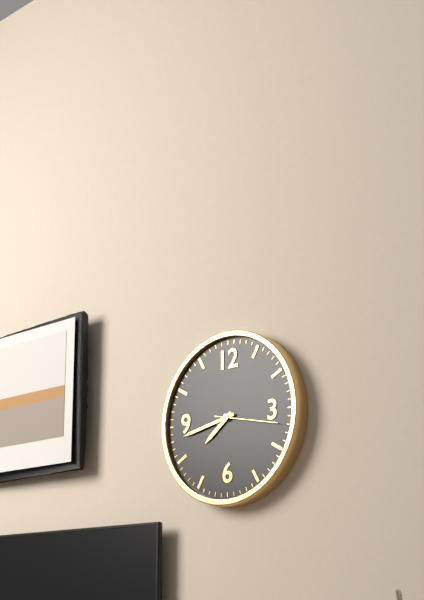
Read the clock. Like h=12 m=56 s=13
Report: h=7 m=43 s=17
